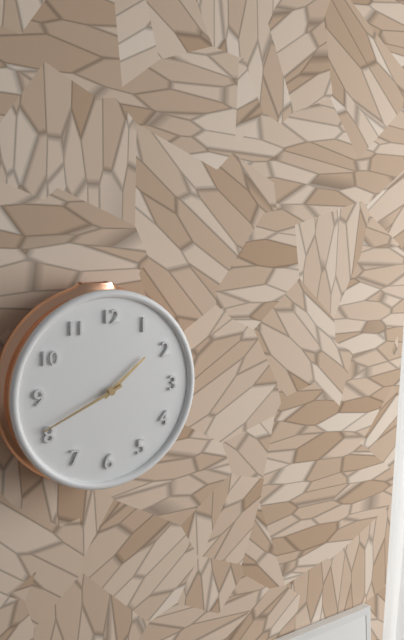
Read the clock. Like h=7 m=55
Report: h=1 m=41
